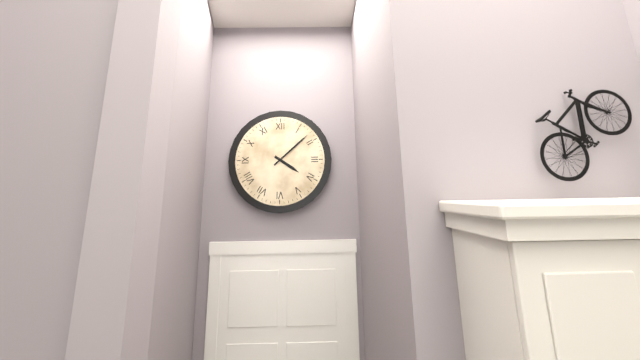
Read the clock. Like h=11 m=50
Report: h=4 m=8
